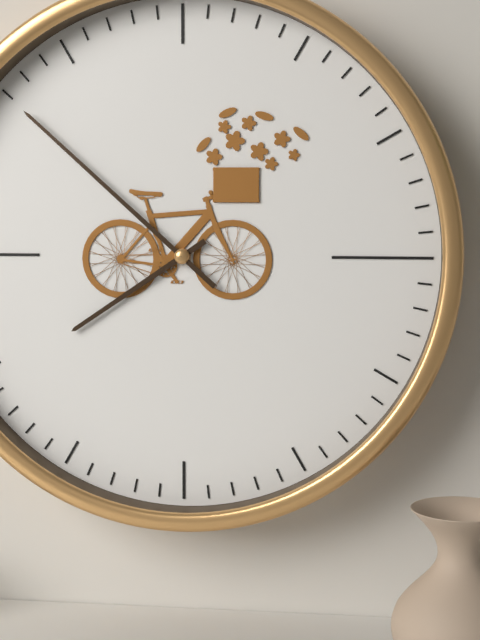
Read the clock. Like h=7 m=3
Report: h=7 m=52
